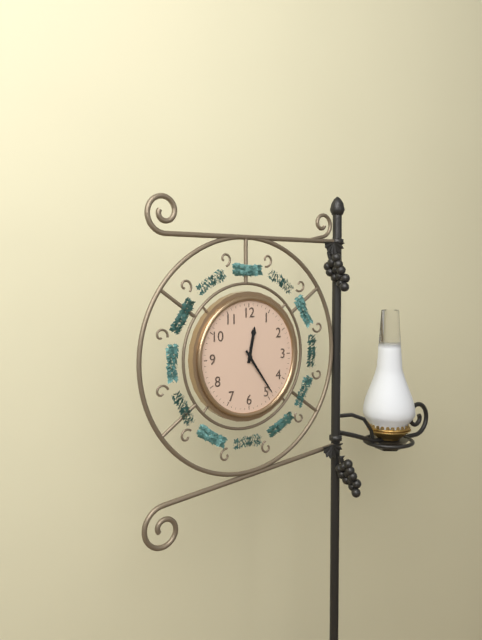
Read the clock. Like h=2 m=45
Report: h=12 m=24
